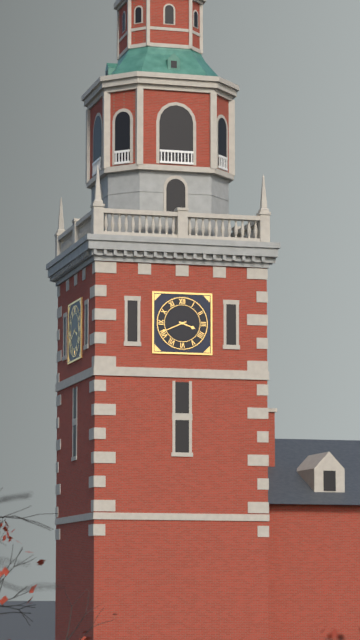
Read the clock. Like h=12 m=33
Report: h=3 m=41
